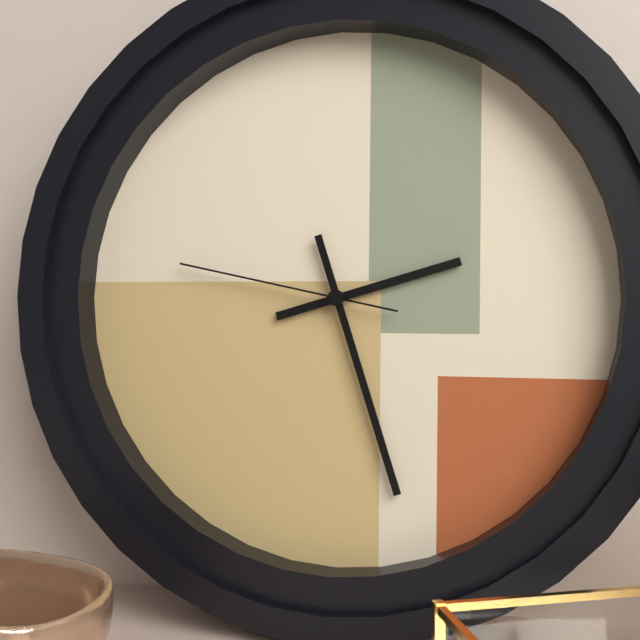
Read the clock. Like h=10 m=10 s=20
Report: h=2 m=27 s=47
